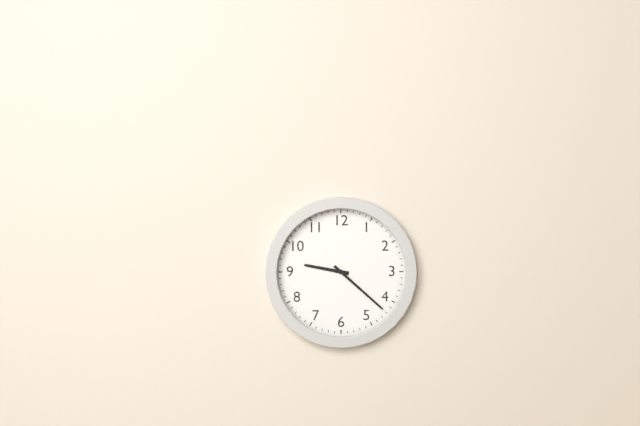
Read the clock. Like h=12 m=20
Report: h=9 m=22
